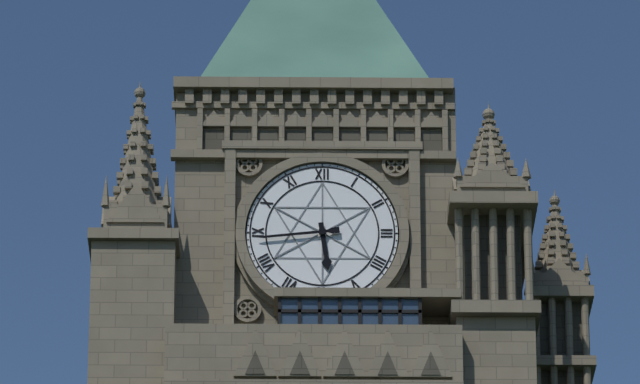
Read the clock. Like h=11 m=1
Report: h=5 m=44
